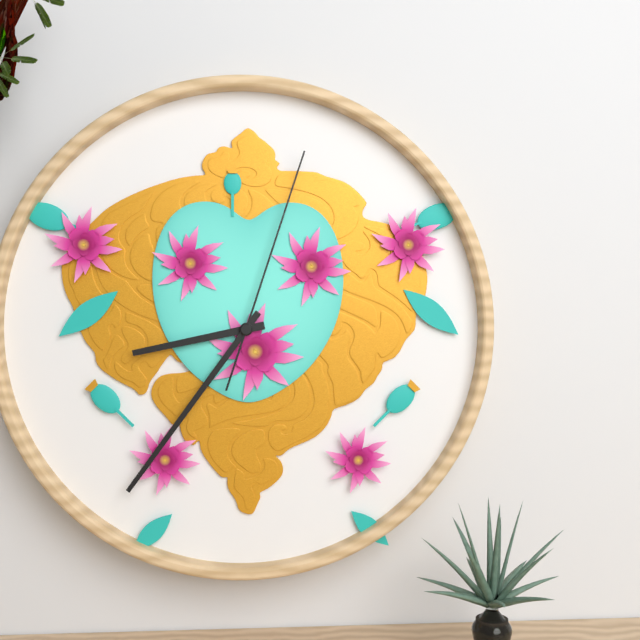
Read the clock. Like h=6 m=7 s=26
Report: h=8 m=36 s=3
